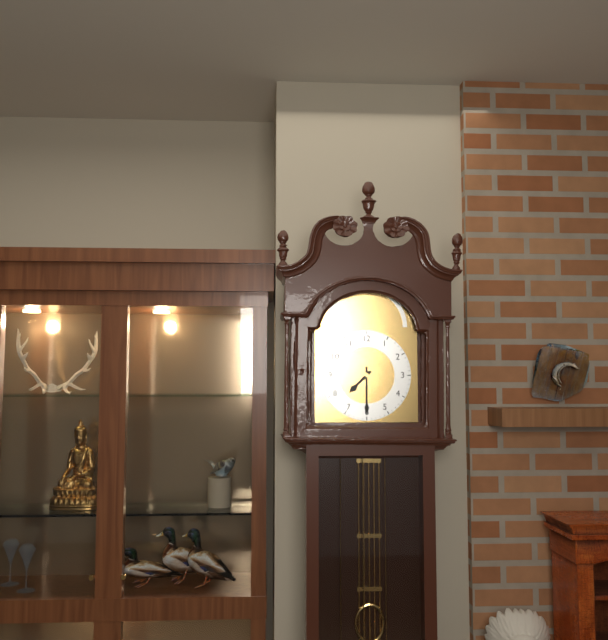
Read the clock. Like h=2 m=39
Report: h=7 m=30
